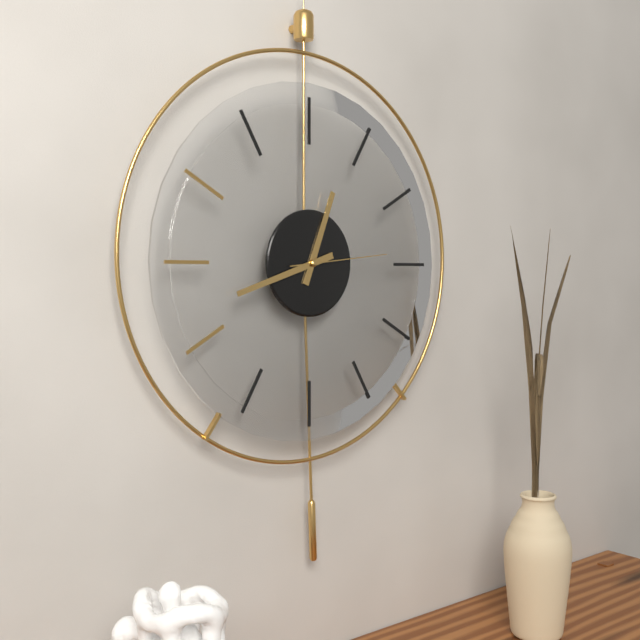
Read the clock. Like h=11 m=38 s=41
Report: h=12 m=42 s=14
